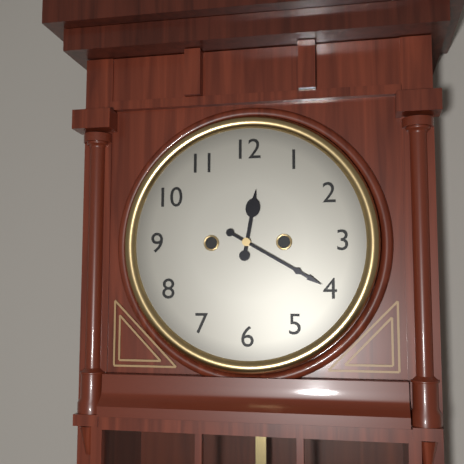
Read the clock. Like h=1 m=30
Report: h=12 m=20
